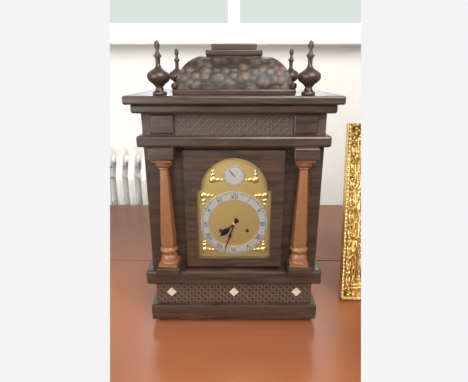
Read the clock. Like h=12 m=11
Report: h=7 m=33
